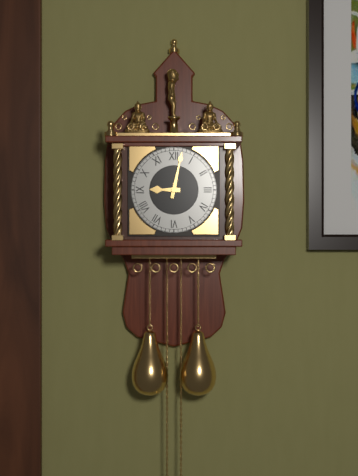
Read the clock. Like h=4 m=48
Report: h=9 m=2
